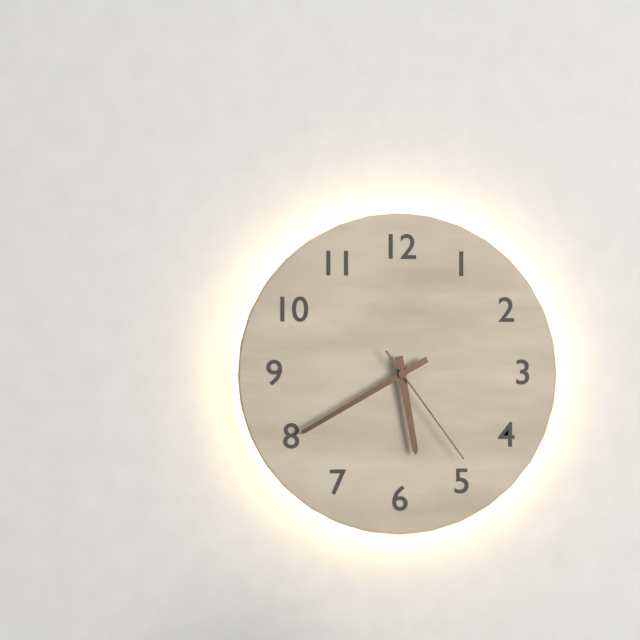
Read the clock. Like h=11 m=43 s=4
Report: h=5 m=40 s=24
